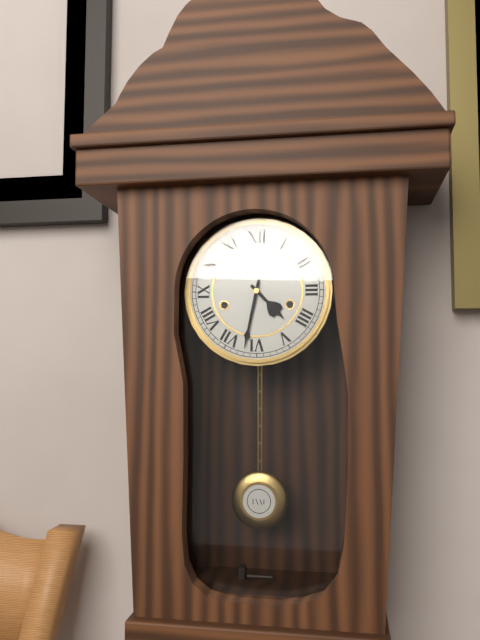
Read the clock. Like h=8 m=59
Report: h=4 m=32
